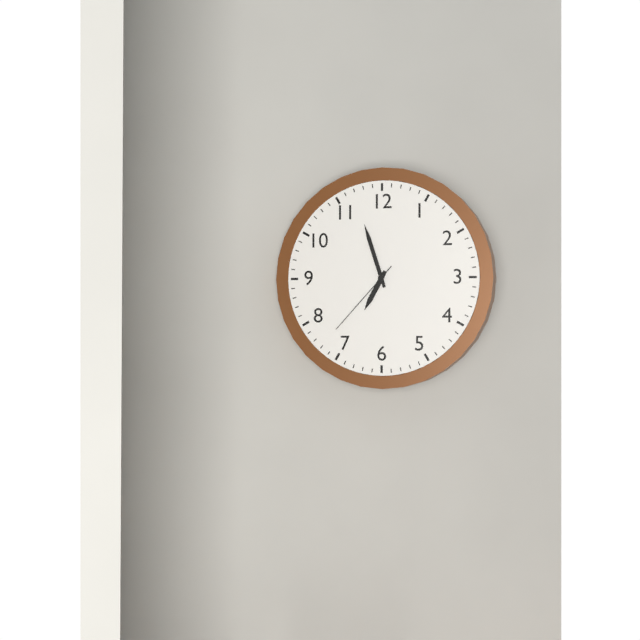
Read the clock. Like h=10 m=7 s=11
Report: h=6 m=57 s=37
